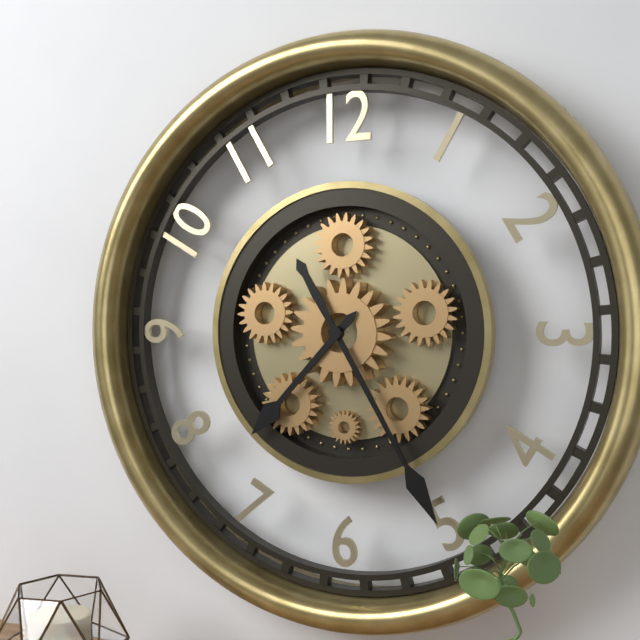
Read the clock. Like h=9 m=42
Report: h=7 m=25
